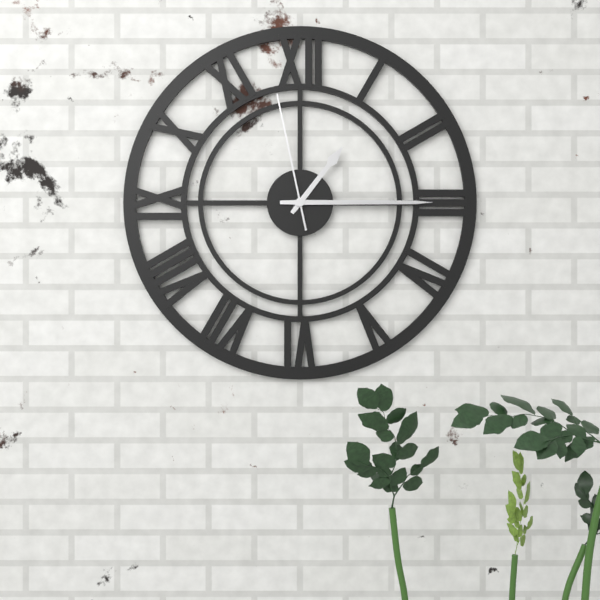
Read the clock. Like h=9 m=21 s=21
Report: h=1 m=15 s=58
